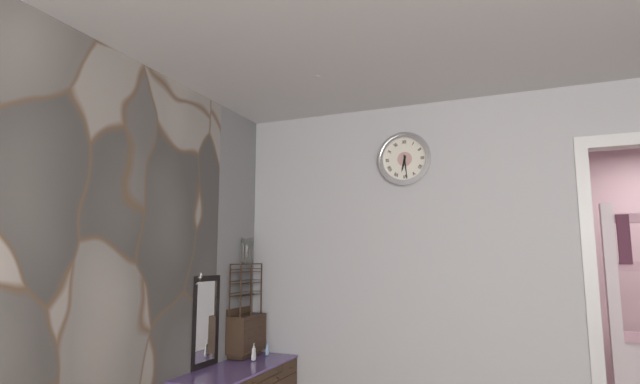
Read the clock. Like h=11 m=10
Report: h=6 m=29
